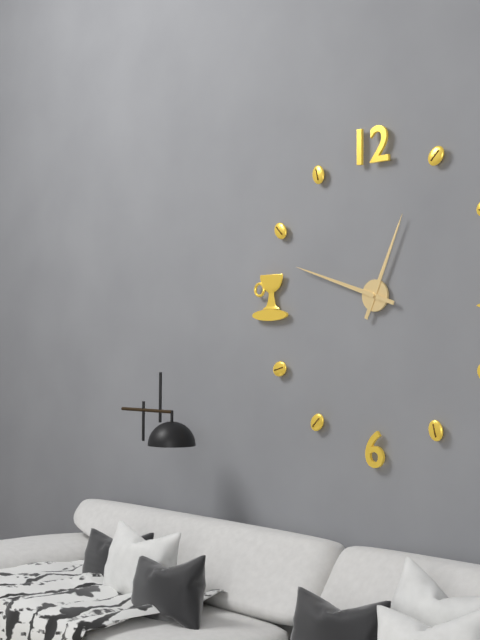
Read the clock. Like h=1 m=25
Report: h=12 m=48
